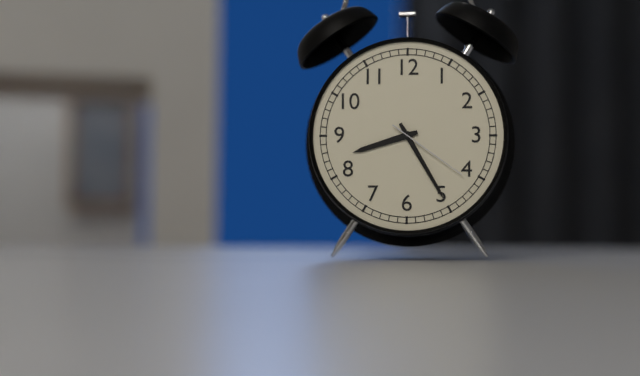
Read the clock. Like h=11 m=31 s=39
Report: h=8 m=25 s=21
